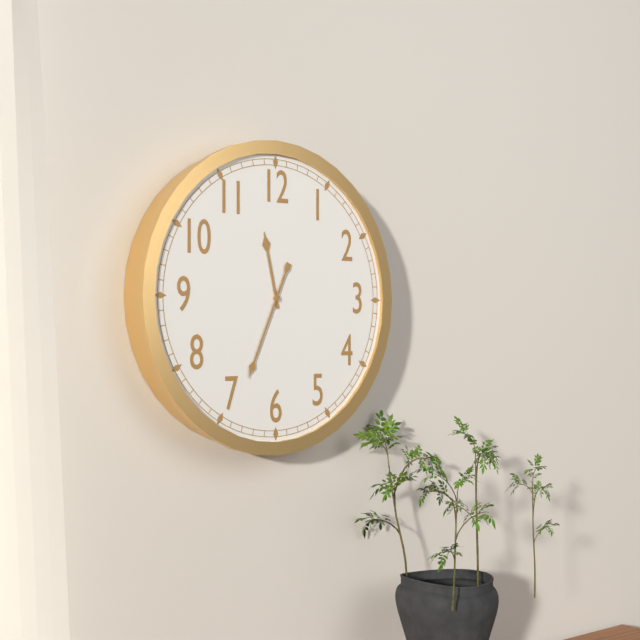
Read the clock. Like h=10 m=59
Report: h=11 m=34
